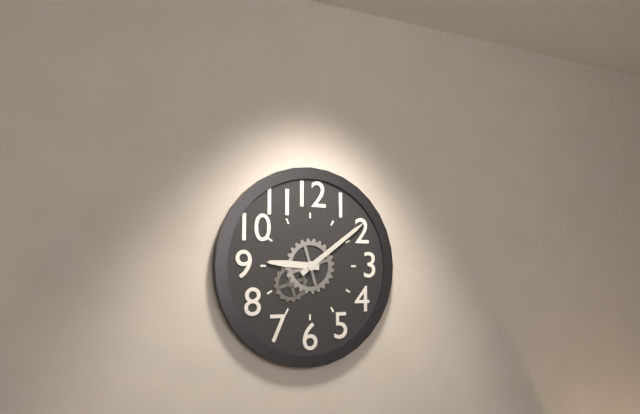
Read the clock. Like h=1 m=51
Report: h=9 m=9
